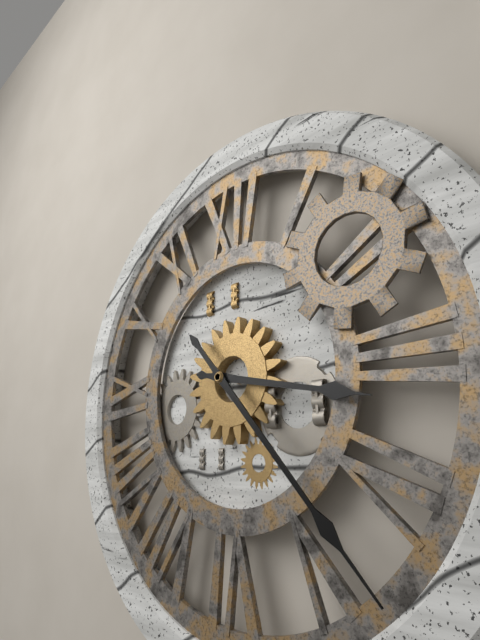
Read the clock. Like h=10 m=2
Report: h=3 m=23
